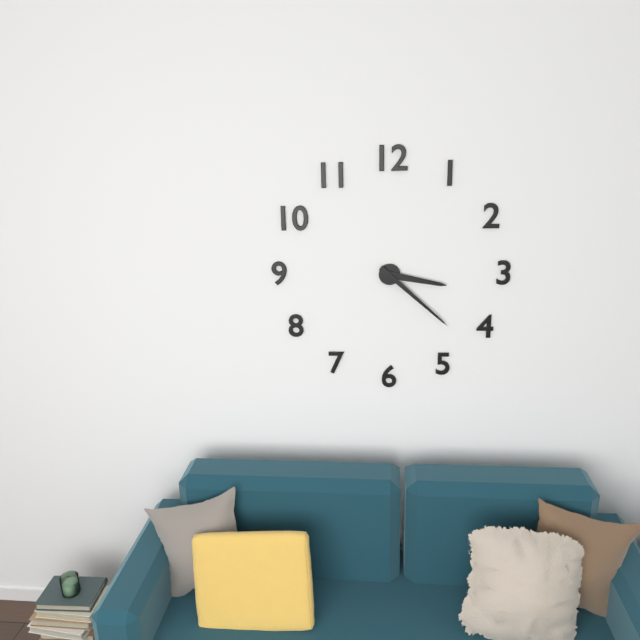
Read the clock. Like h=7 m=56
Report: h=3 m=22
